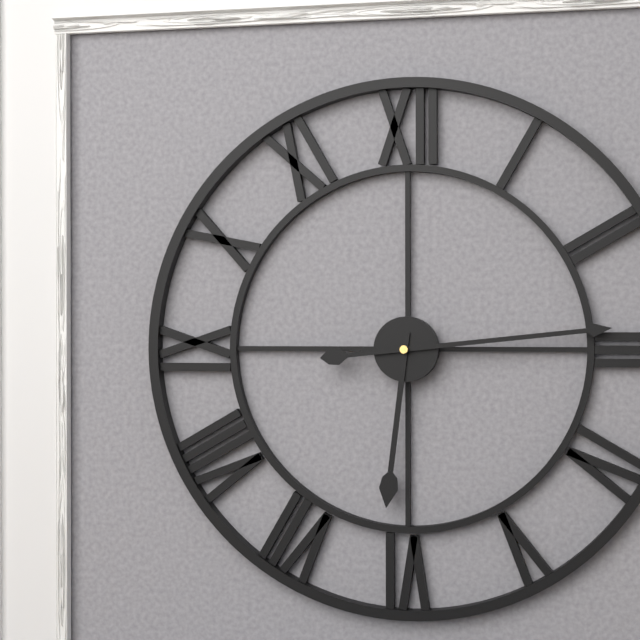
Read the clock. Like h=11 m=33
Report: h=6 m=14
